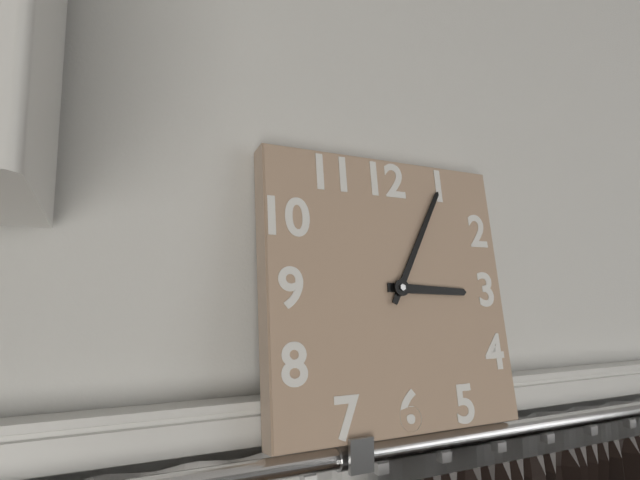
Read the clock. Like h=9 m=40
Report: h=3 m=5
